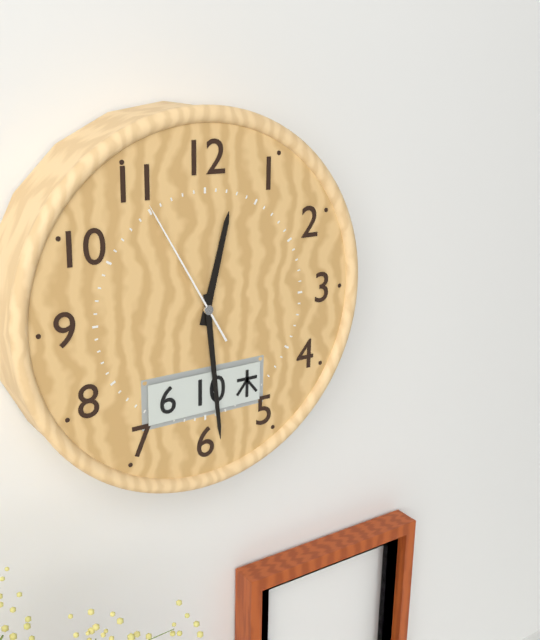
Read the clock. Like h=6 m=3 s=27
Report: h=12 m=29 s=55
